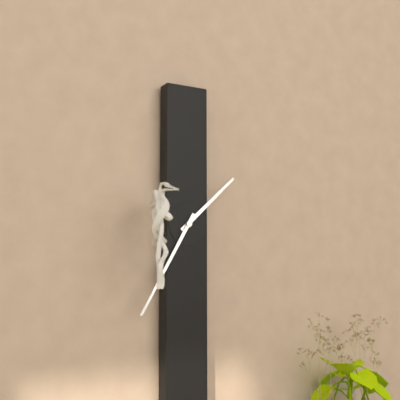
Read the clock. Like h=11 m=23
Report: h=1 m=35
